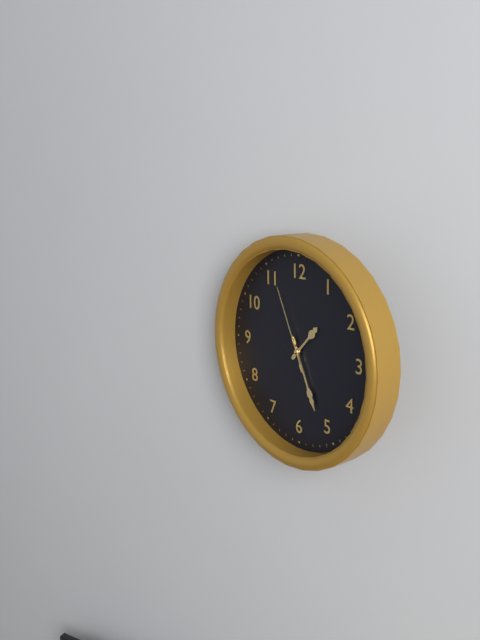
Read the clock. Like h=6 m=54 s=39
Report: h=1 m=26 s=56
